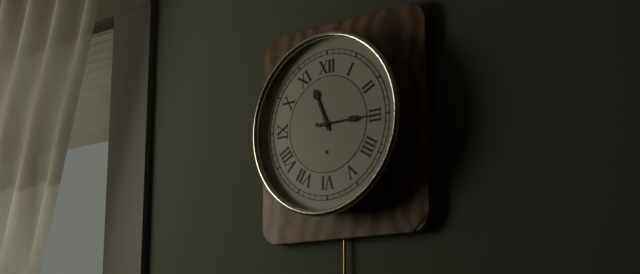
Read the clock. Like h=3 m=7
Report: h=11 m=15
